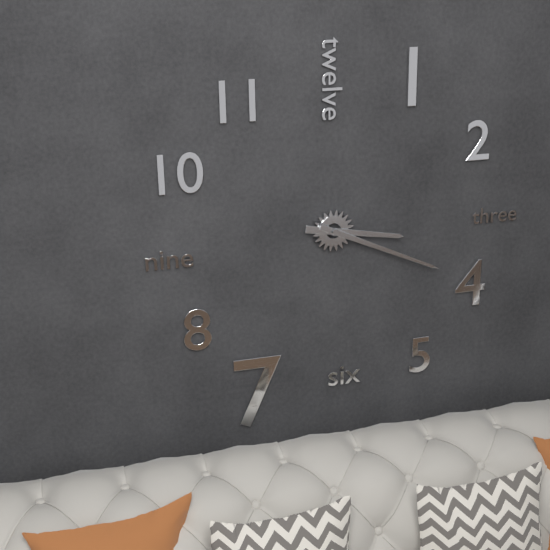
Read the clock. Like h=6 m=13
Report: h=3 m=19
